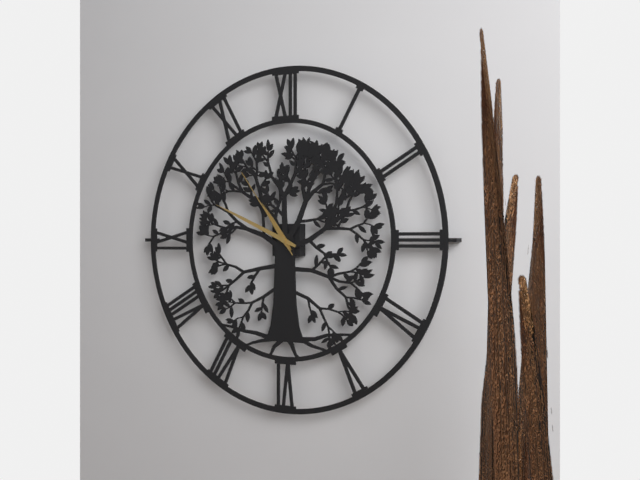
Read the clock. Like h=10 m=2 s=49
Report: h=10 m=49 s=54
